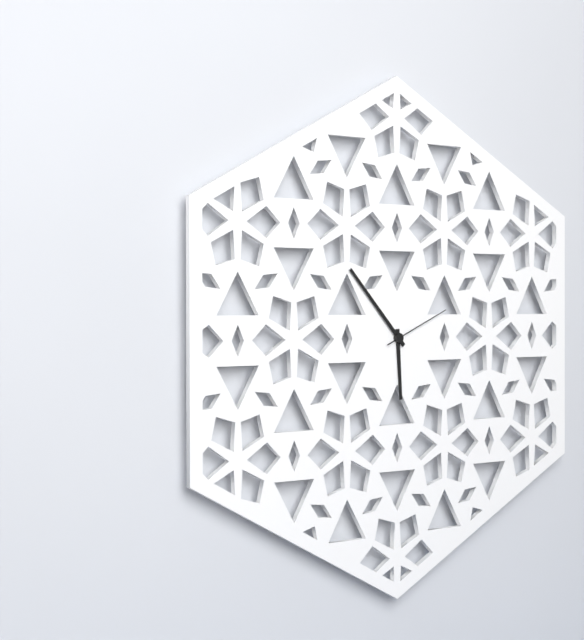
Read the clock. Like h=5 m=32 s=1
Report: h=5 m=53 s=11
